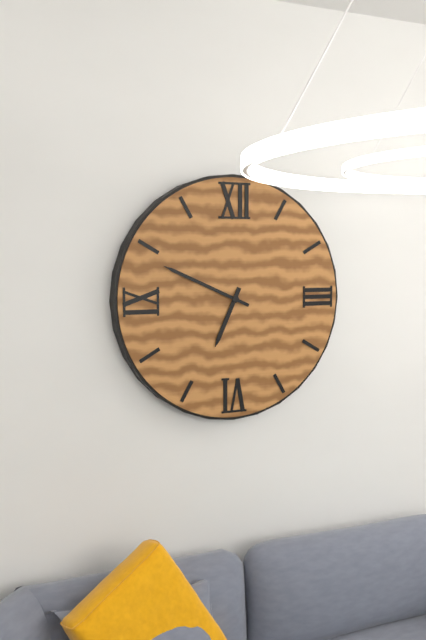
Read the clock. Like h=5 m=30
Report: h=6 m=49
